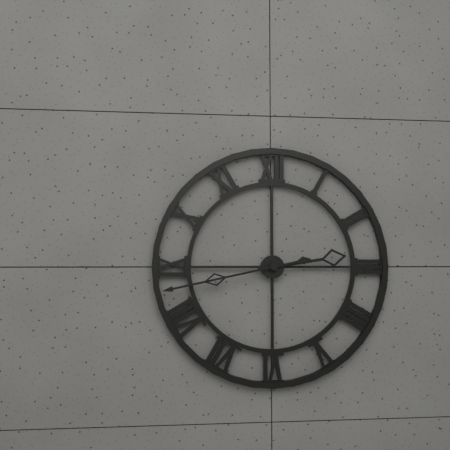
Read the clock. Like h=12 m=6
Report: h=2 m=43
